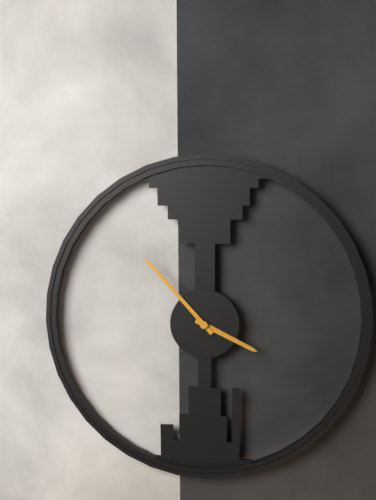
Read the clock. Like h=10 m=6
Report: h=3 m=53
